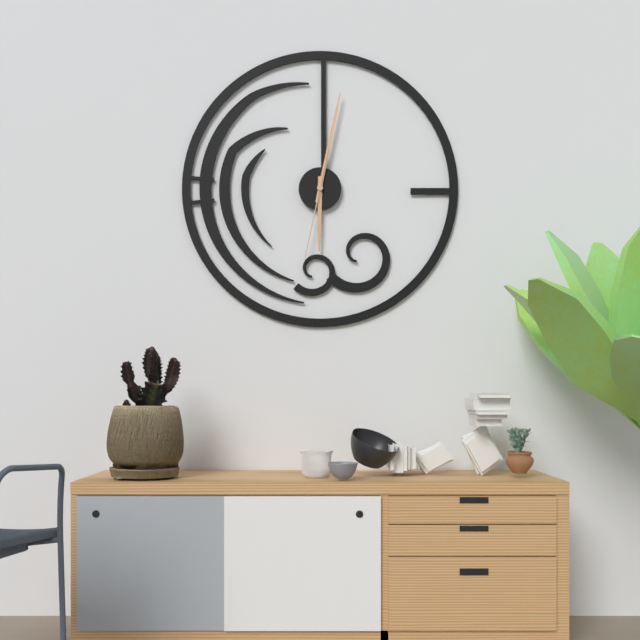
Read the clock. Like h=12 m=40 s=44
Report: h=6 m=2 s=32
